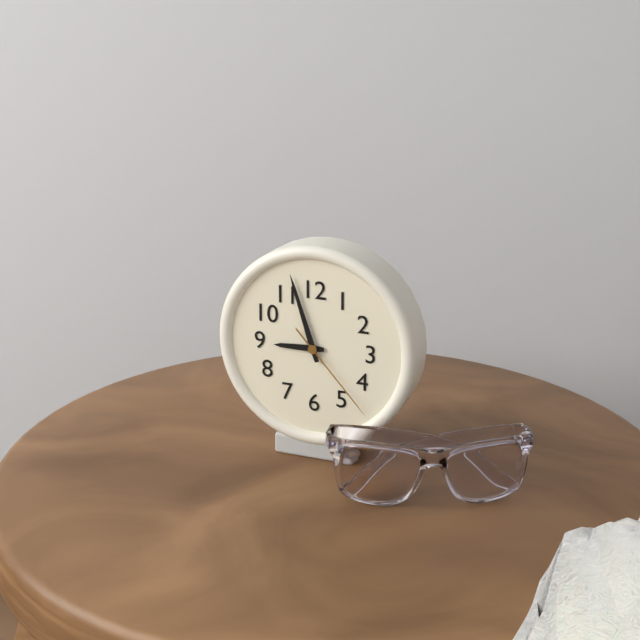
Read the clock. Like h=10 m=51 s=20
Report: h=8 m=57 s=23
